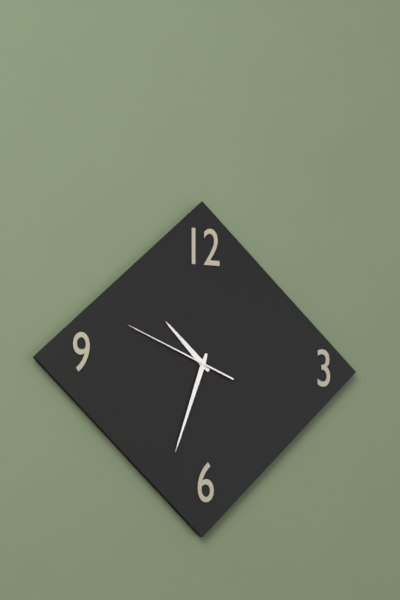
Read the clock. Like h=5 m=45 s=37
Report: h=10 m=33 s=49
